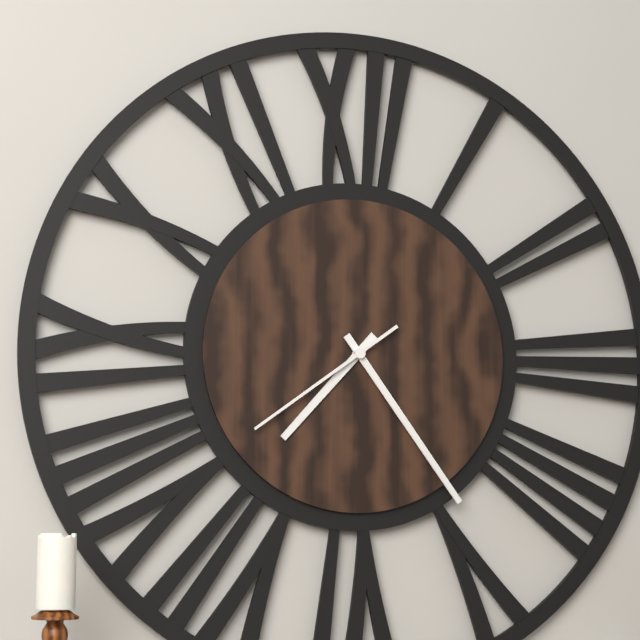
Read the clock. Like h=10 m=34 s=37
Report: h=7 m=24 s=39
